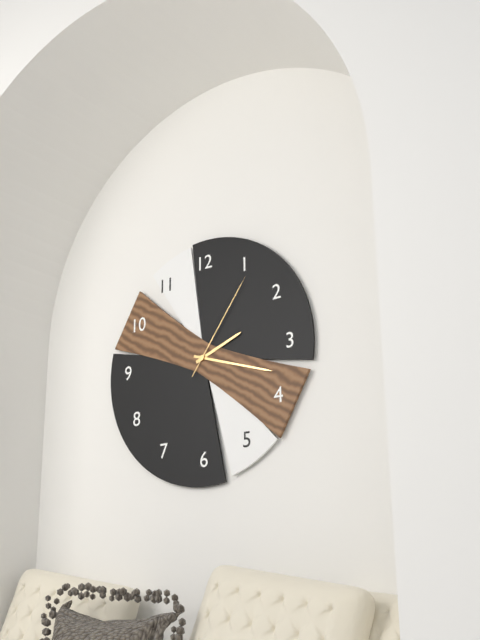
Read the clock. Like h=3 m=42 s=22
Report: h=2 m=18 s=6
